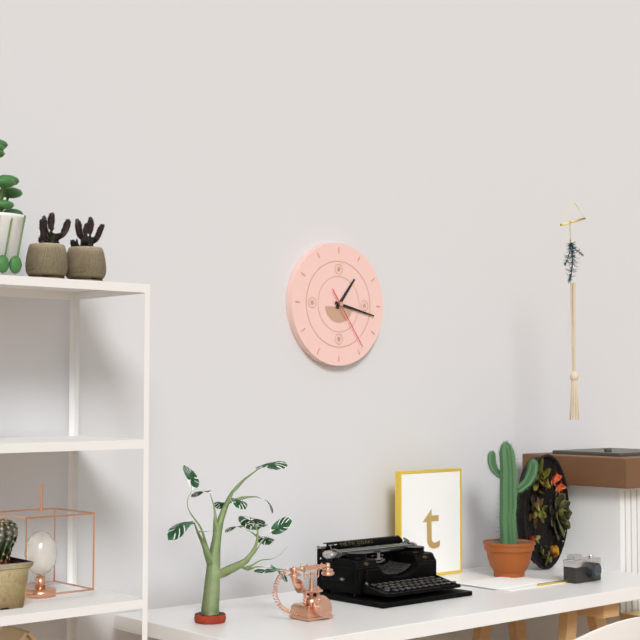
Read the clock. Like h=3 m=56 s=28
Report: h=1 m=17 s=24
